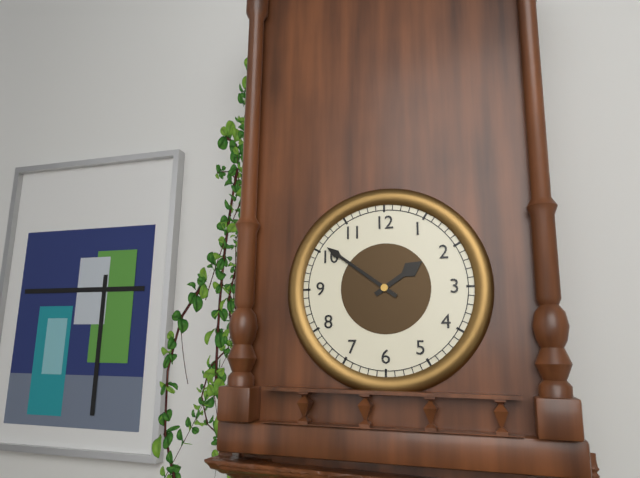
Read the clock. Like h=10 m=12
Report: h=1 m=51
